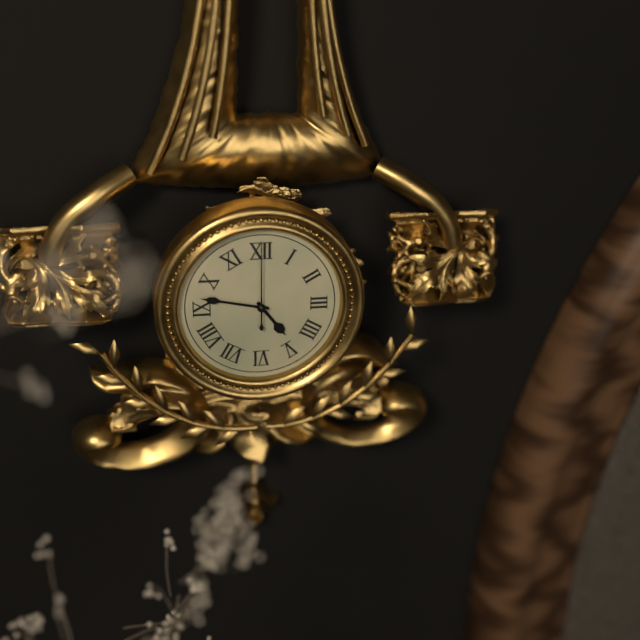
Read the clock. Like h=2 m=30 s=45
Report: h=4 m=47 s=0
